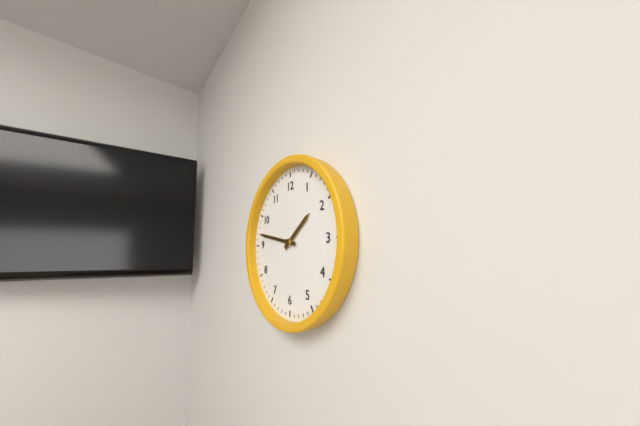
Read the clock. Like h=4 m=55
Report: h=1 m=47
